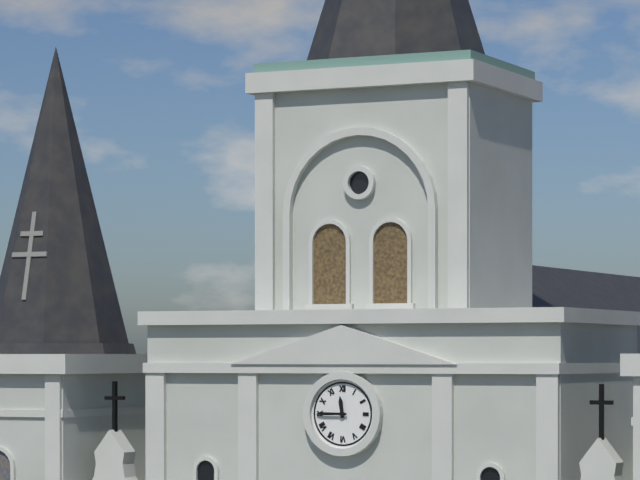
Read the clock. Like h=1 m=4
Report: h=11 m=45
